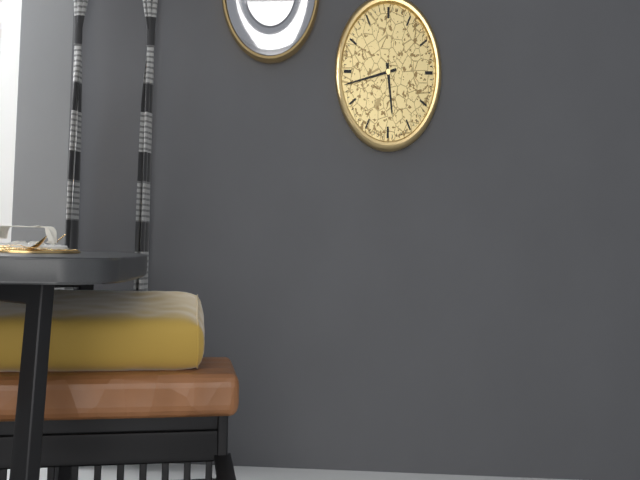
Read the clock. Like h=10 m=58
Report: h=5 m=43
